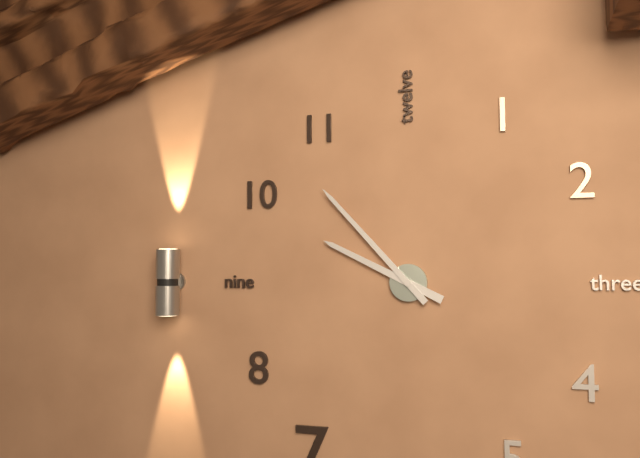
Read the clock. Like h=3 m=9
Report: h=9 m=53
